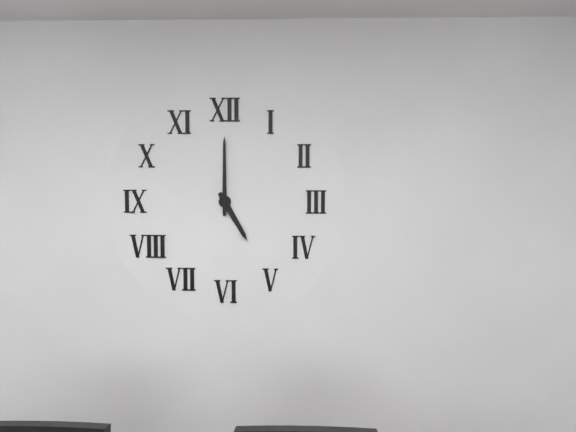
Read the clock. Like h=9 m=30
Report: h=5 m=0
